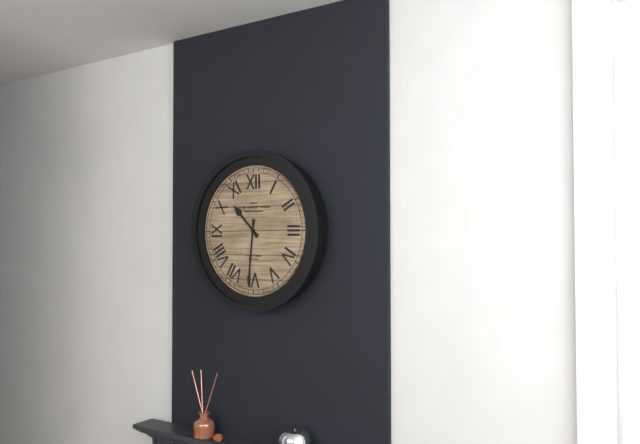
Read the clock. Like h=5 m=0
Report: h=10 m=31
